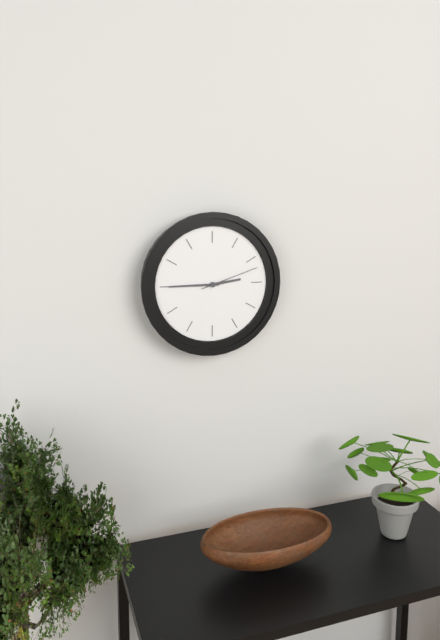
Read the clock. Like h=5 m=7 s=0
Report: h=2 m=45 s=12
